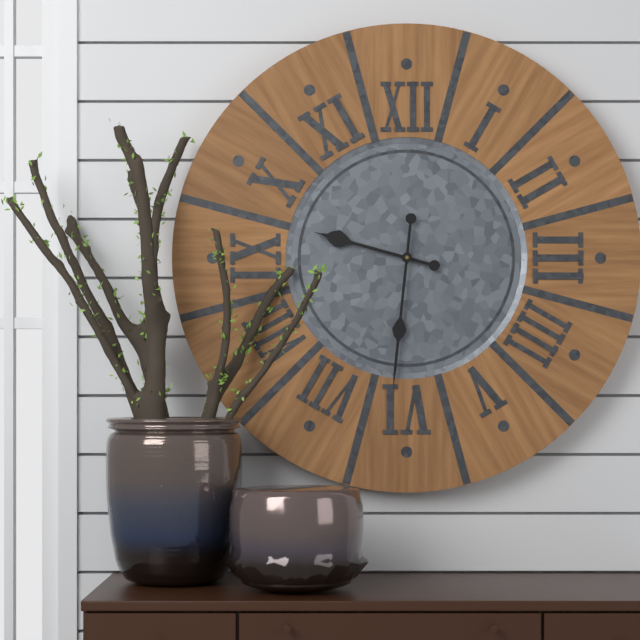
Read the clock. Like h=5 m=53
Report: h=9 m=31
